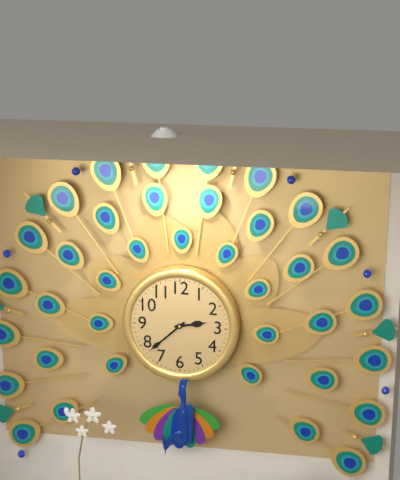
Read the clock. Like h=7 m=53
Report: h=2 m=38
